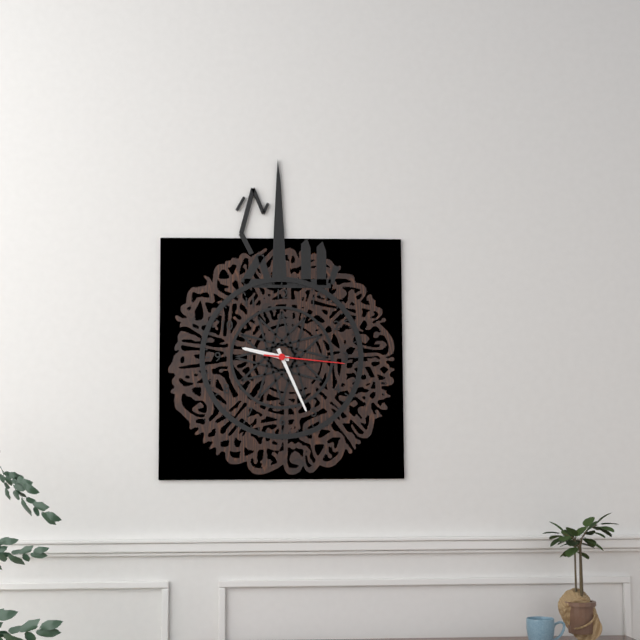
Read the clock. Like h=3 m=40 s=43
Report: h=9 m=26 s=16
